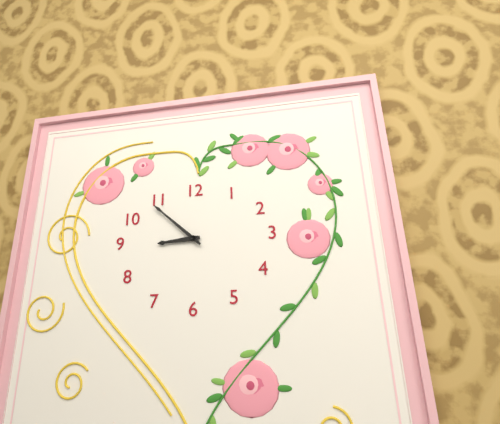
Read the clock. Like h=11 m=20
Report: h=8 m=52
